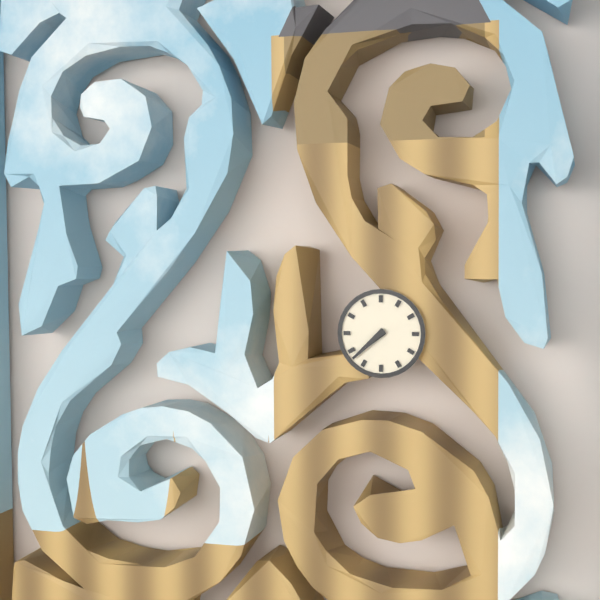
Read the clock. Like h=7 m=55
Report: h=7 m=38
